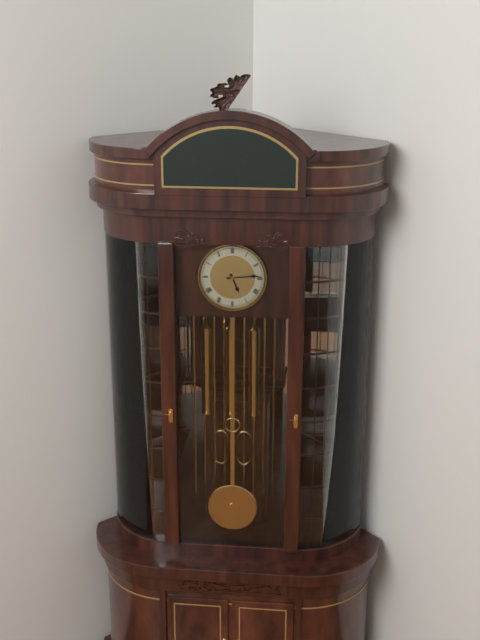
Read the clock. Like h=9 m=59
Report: h=5 m=14
